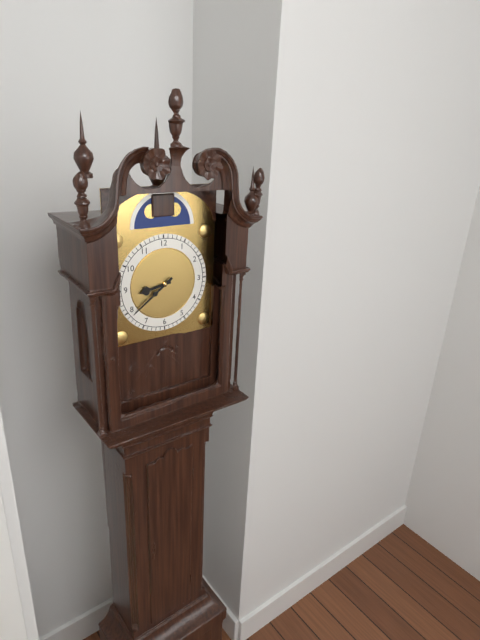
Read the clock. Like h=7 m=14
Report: h=8 m=39
